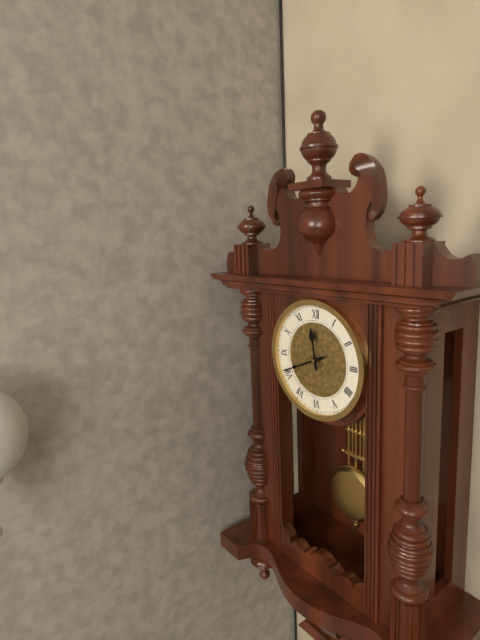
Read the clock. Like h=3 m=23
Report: h=11 m=41
